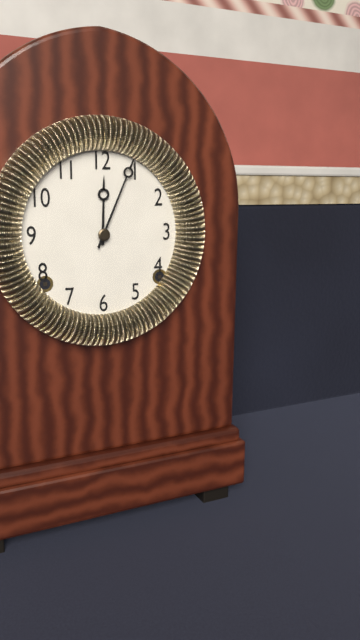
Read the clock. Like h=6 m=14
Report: h=12 m=4
